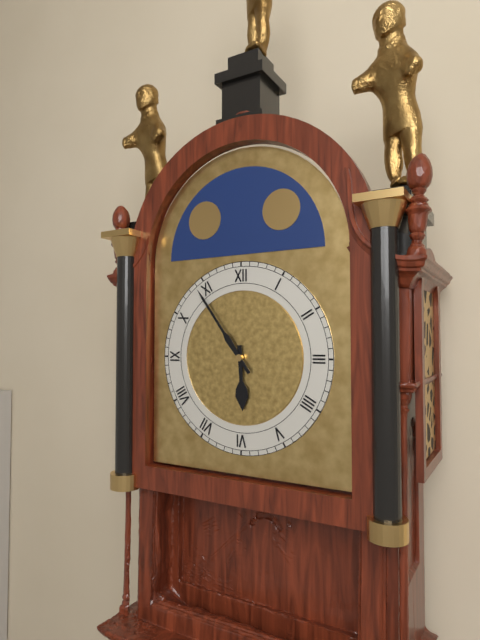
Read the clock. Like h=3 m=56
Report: h=5 m=54
